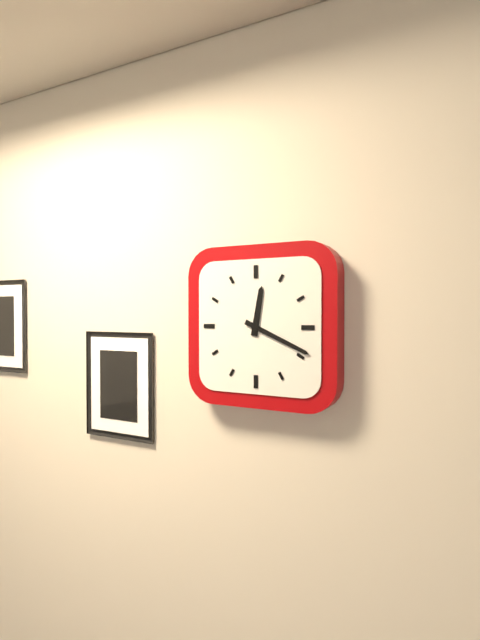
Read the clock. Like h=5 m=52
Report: h=12 m=19
